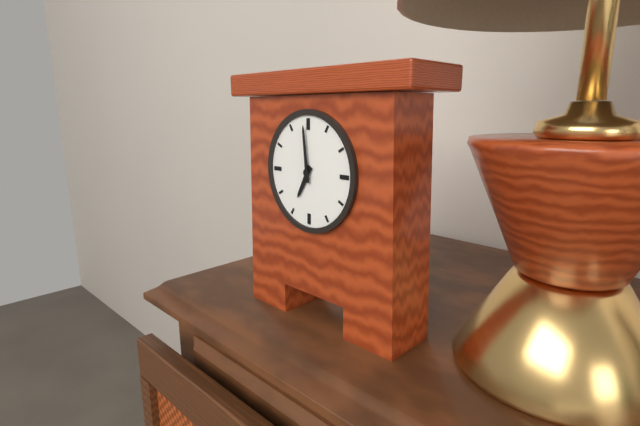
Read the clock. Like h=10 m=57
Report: h=6 m=59
